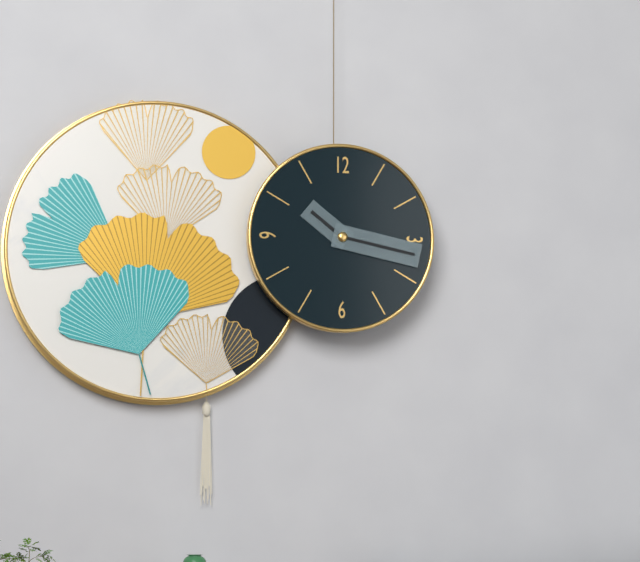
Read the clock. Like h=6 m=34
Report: h=10 m=17
